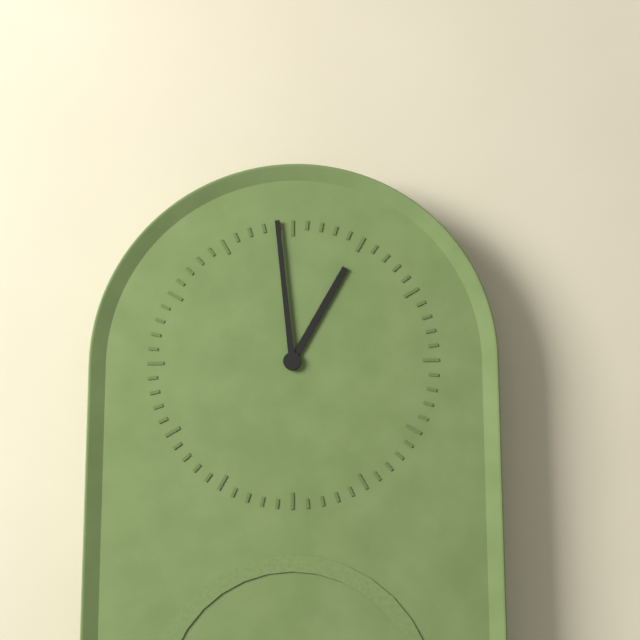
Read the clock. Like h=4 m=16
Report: h=12 m=59
